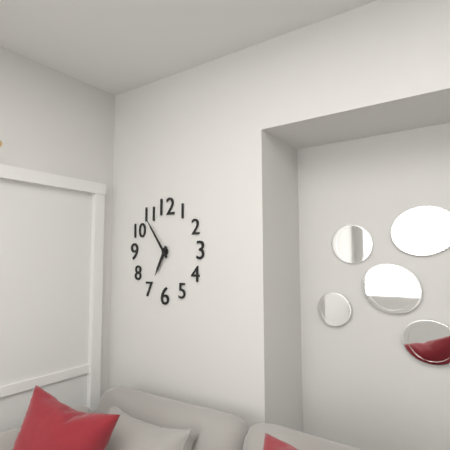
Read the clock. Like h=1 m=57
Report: h=6 m=54
